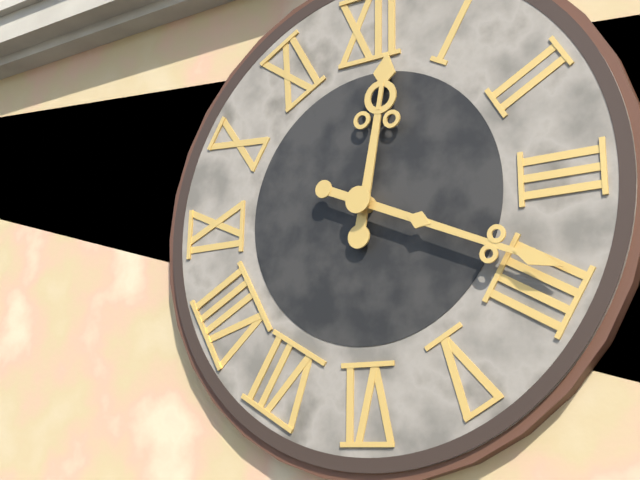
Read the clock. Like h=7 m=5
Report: h=12 m=19
